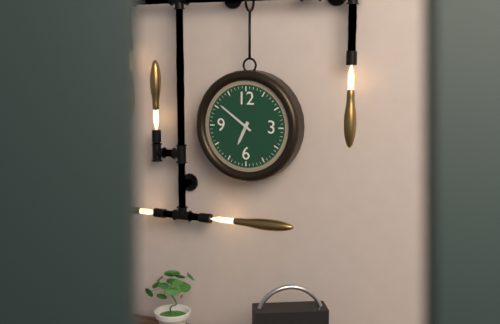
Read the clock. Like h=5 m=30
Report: h=6 m=51
